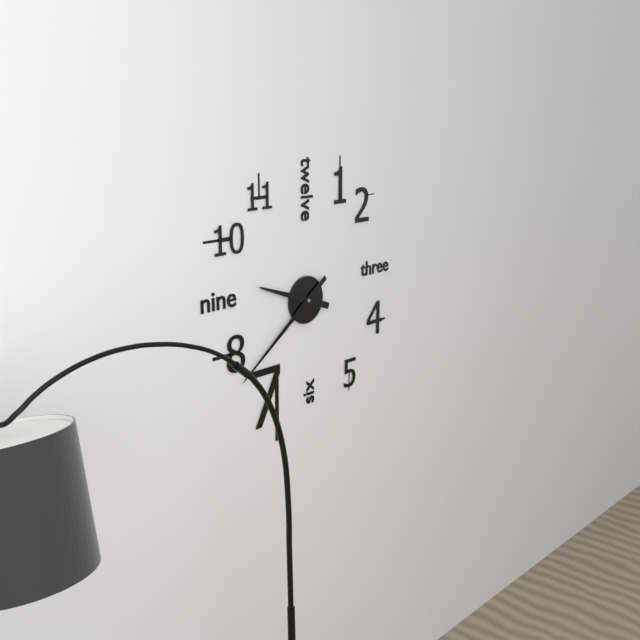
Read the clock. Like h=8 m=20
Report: h=9 m=39
